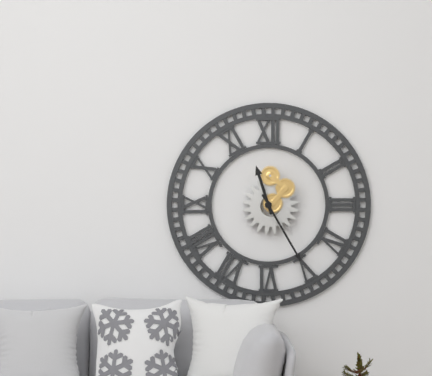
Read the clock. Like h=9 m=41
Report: h=11 m=25
